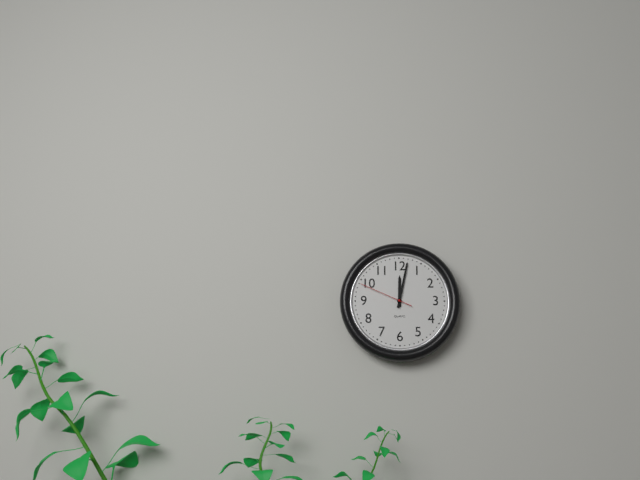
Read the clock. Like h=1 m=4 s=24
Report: h=12 m=2 s=49
